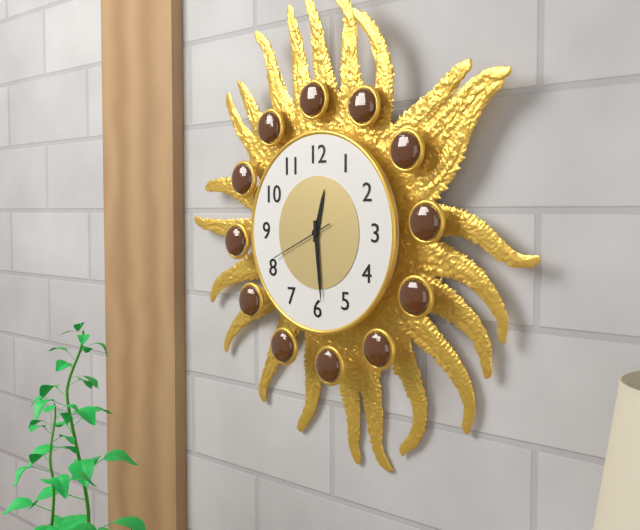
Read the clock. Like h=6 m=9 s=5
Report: h=12 m=29 s=41
